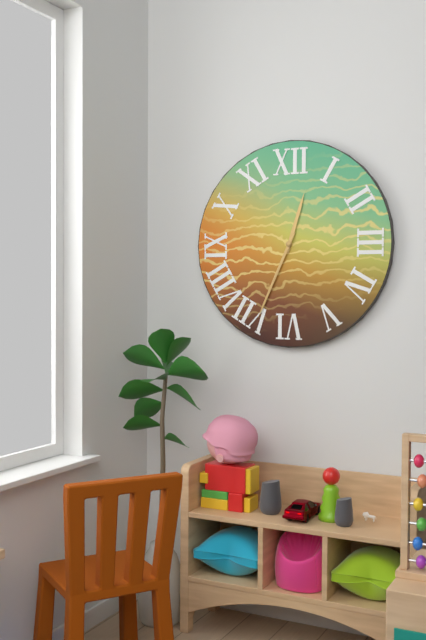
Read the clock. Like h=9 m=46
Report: h=12 m=34
